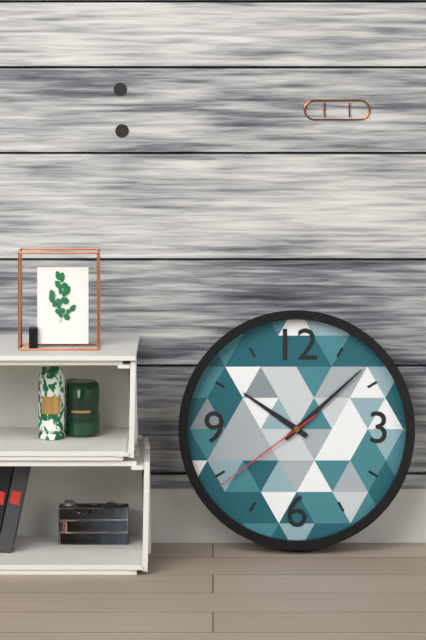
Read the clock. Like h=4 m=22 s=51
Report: h=10 m=8 s=39
